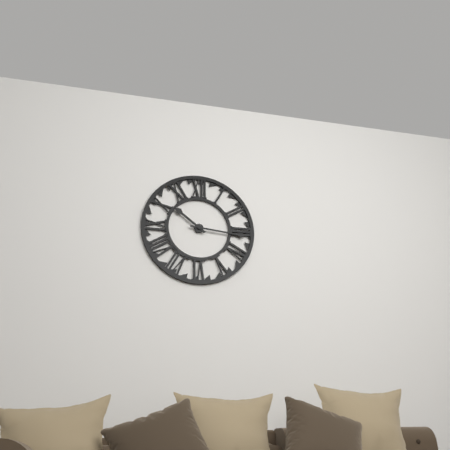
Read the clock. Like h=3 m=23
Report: h=10 m=16
